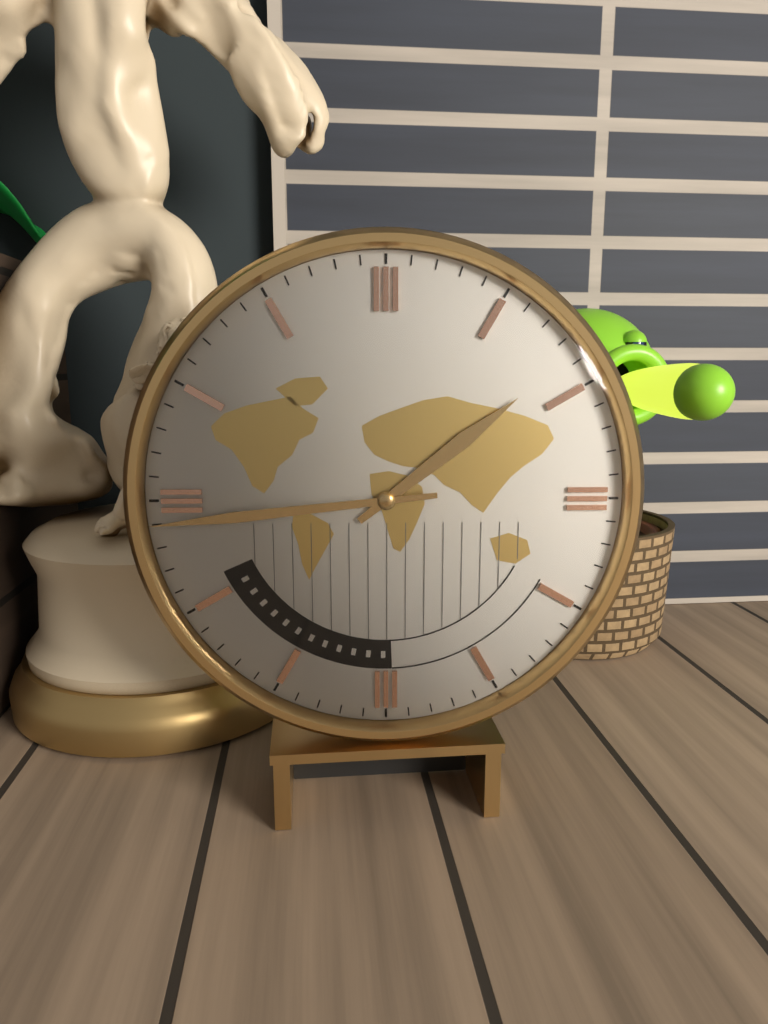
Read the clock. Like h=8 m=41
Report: h=1 m=44
